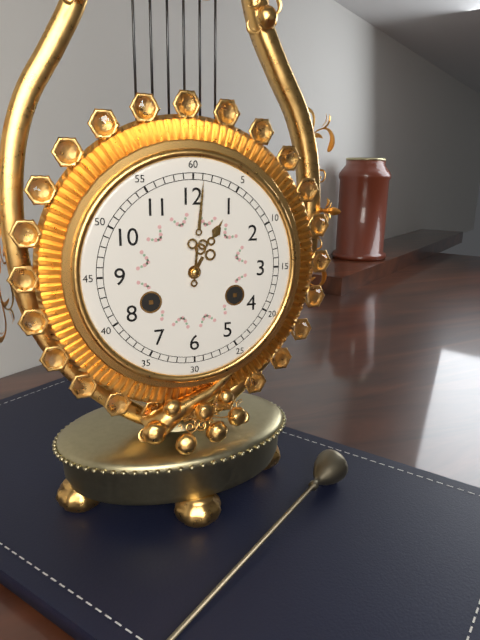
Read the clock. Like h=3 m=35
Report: h=1 m=1
